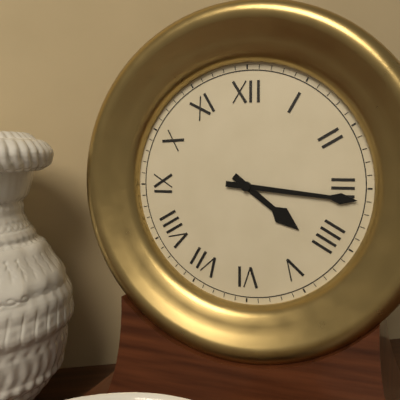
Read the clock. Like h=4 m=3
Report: h=4 m=16
